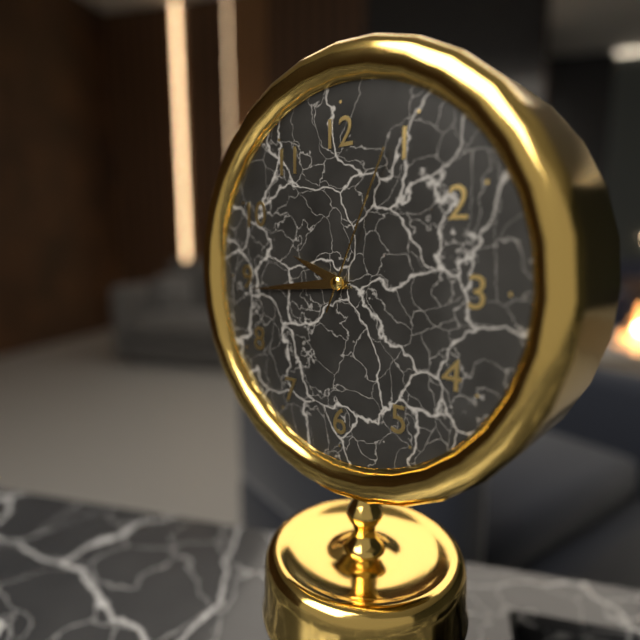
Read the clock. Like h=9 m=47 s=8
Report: h=9 m=44 s=4
